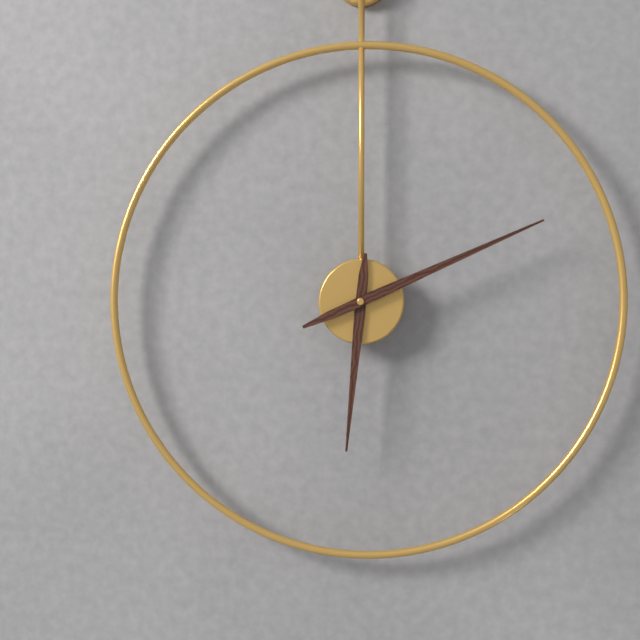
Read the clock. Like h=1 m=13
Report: h=6 m=11
